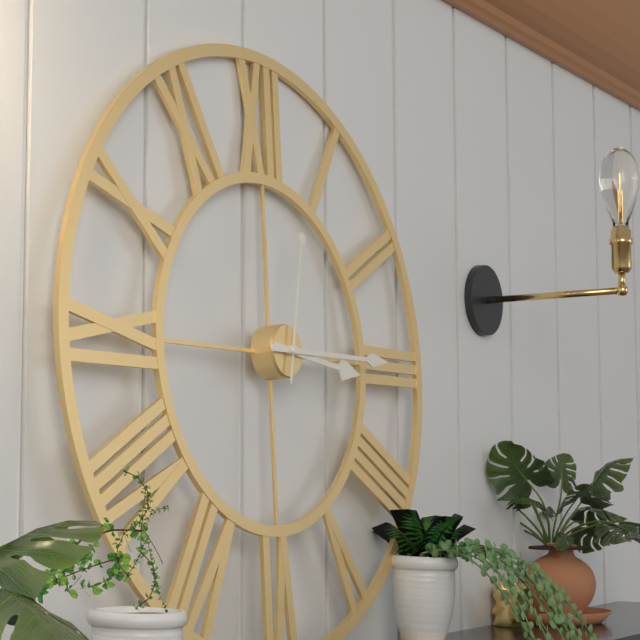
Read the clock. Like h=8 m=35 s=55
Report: h=3 m=15 s=2
